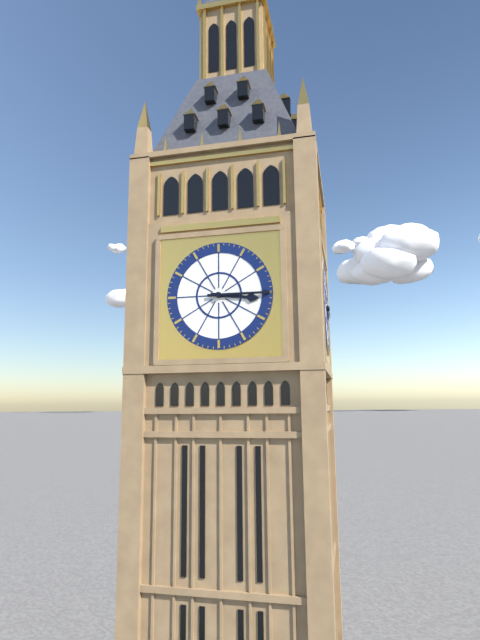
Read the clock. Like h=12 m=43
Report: h=3 m=15
